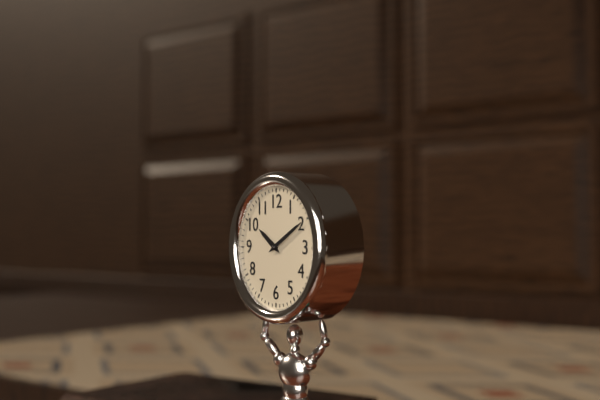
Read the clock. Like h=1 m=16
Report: h=10 m=10
